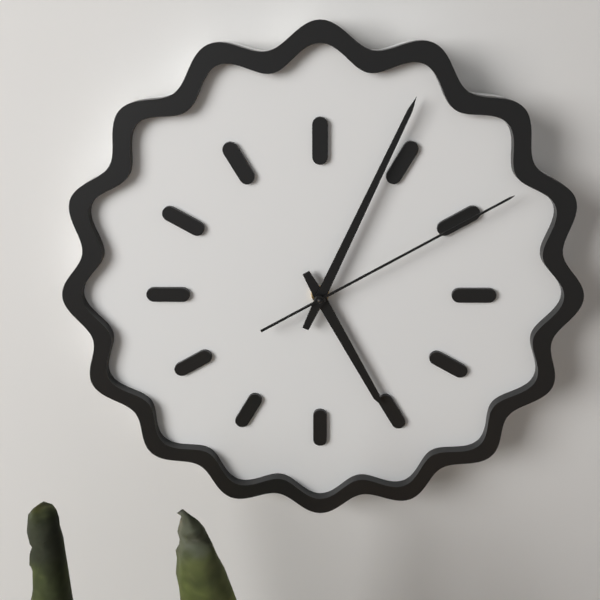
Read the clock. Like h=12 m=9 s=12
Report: h=5 m=4 s=10
